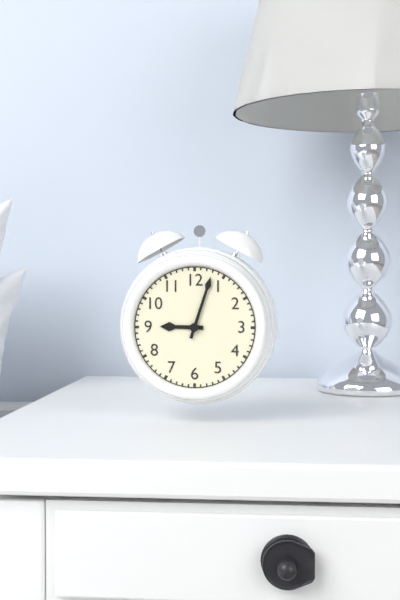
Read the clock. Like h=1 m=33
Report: h=9 m=3
